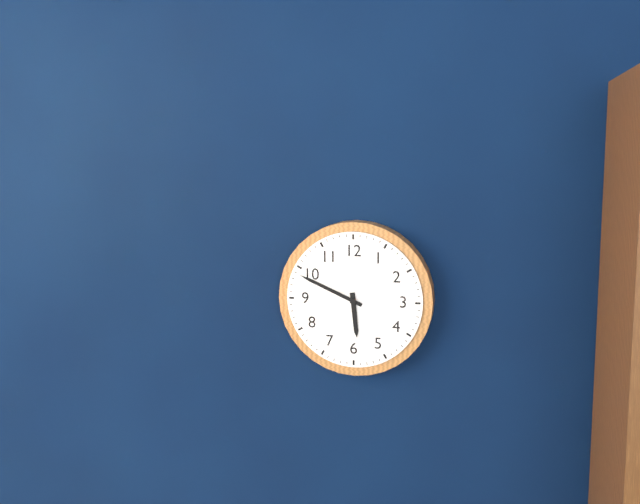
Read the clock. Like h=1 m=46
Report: h=5 m=49
